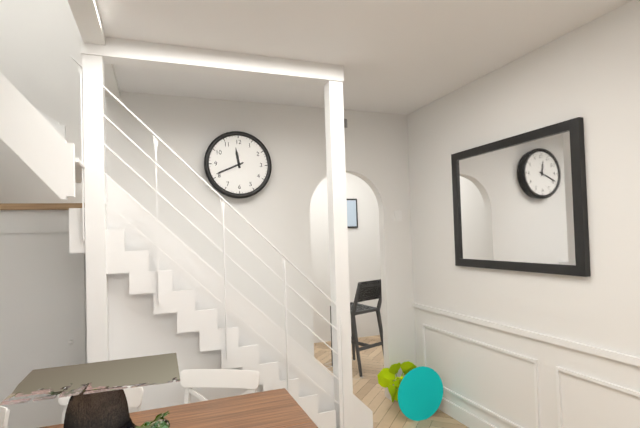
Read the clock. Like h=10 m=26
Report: h=11 m=41
